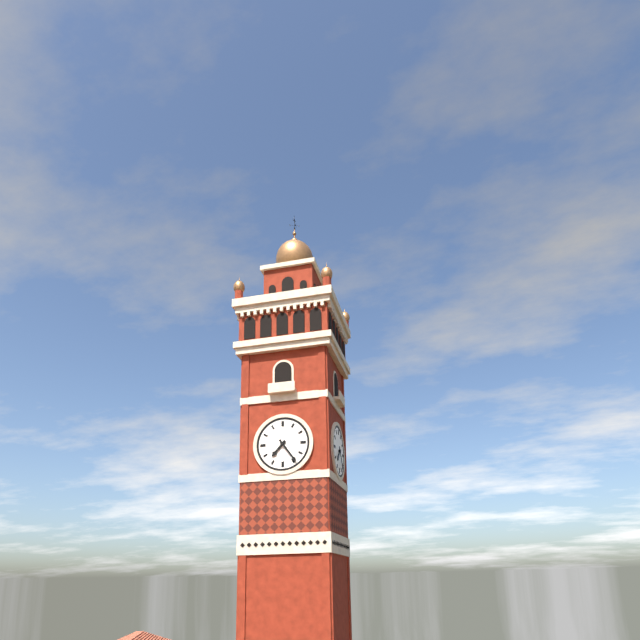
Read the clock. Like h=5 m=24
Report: h=7 m=24
